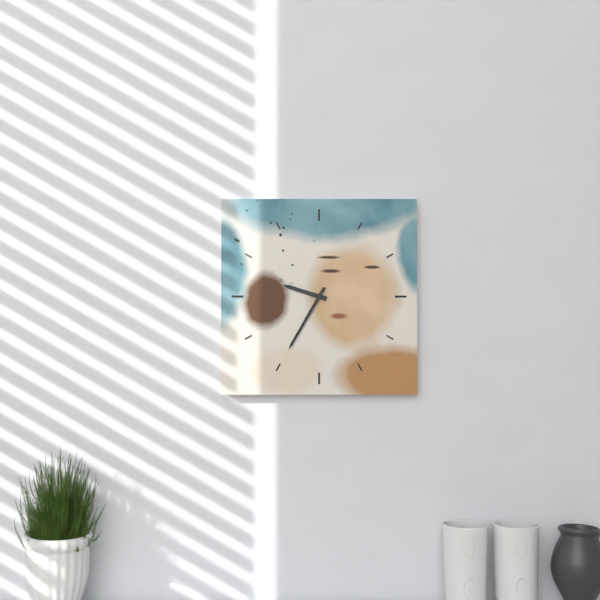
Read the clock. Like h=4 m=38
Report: h=9 m=35
